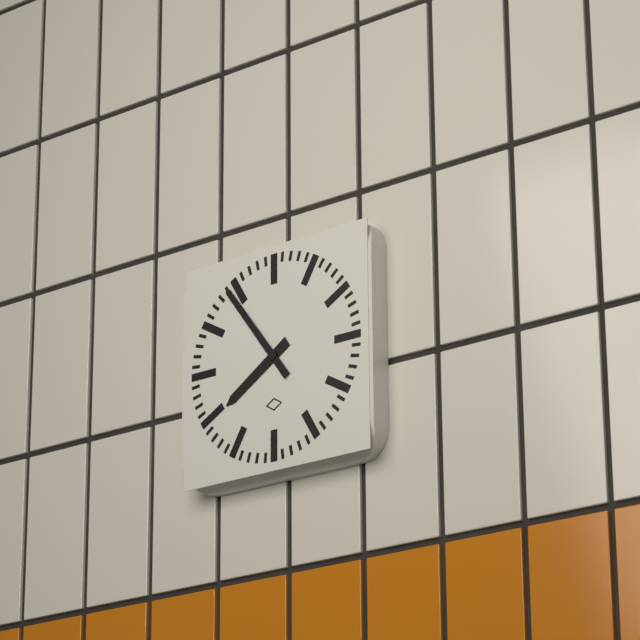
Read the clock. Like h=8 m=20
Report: h=7 m=54
